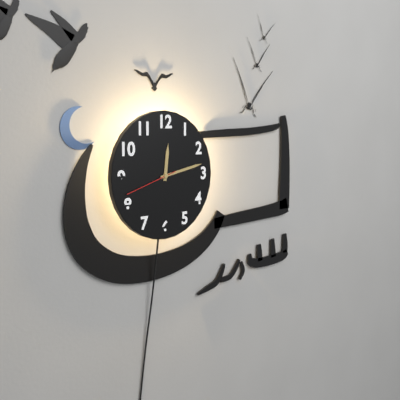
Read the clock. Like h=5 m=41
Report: h=12 m=13
